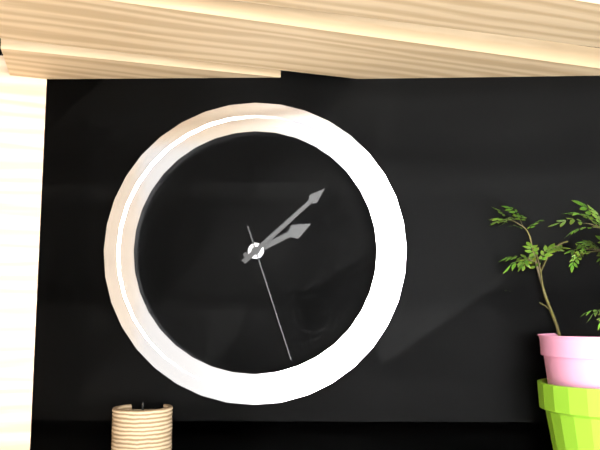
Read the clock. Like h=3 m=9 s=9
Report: h=2 m=8 s=27
